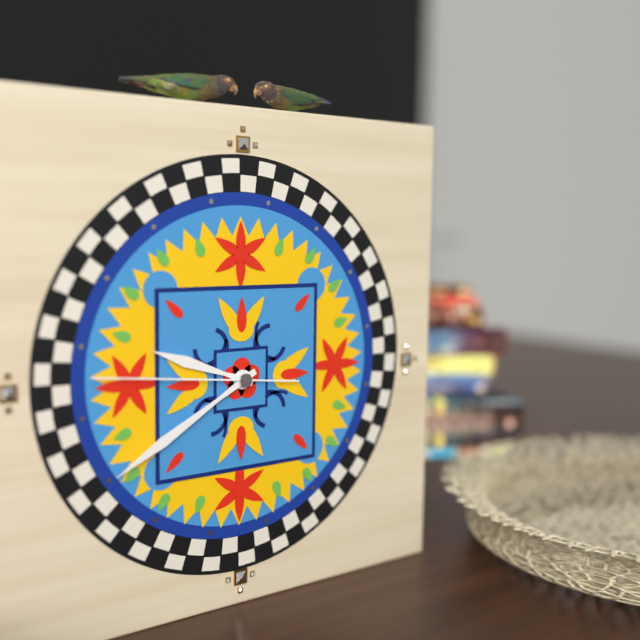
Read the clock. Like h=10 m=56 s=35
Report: h=9 m=40 s=46
